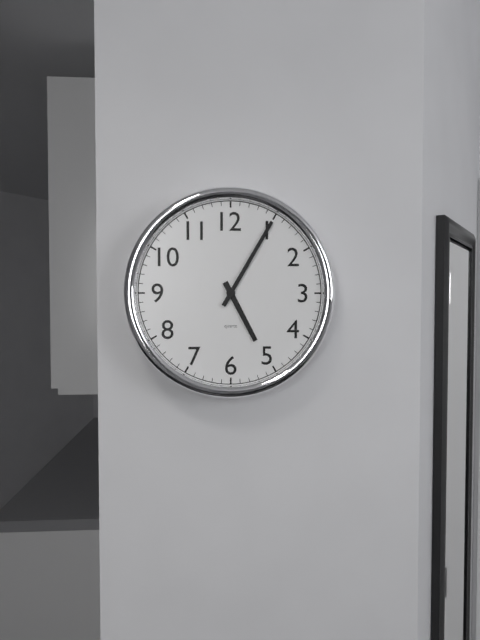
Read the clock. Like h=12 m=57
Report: h=5 m=5
